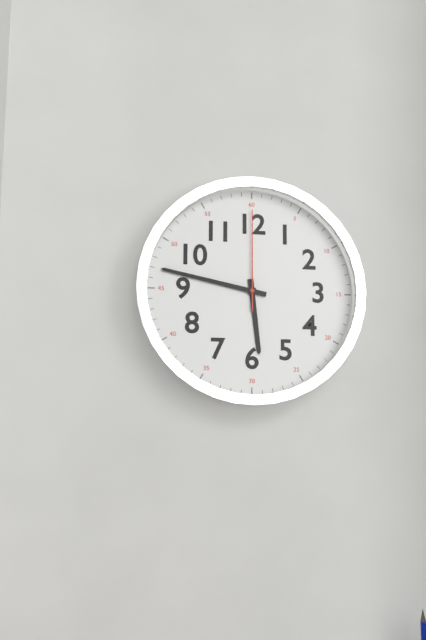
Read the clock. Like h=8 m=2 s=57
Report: h=5 m=47 s=0
